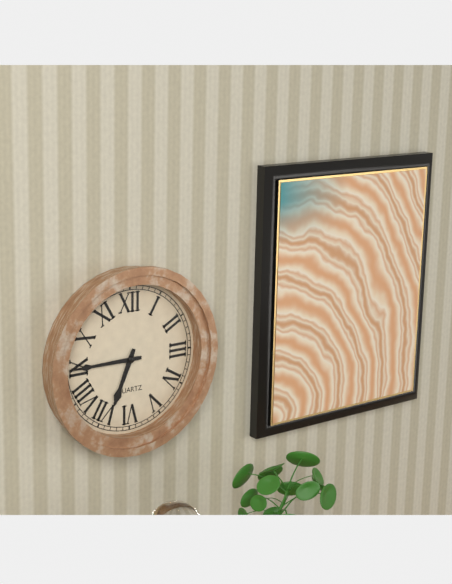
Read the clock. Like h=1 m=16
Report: h=6 m=45
